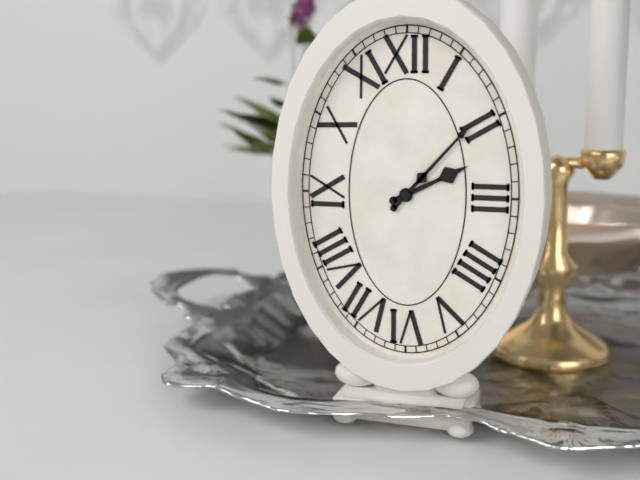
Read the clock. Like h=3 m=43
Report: h=2 m=7
